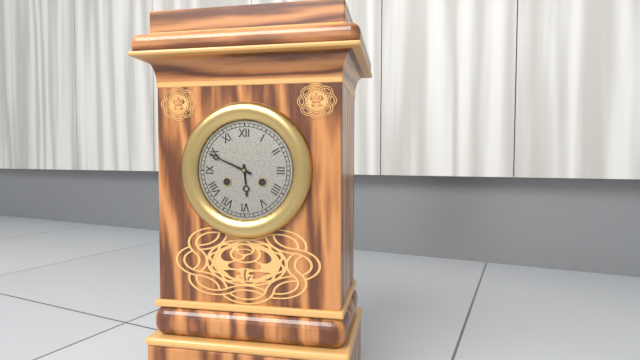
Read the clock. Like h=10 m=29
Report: h=5 m=49
